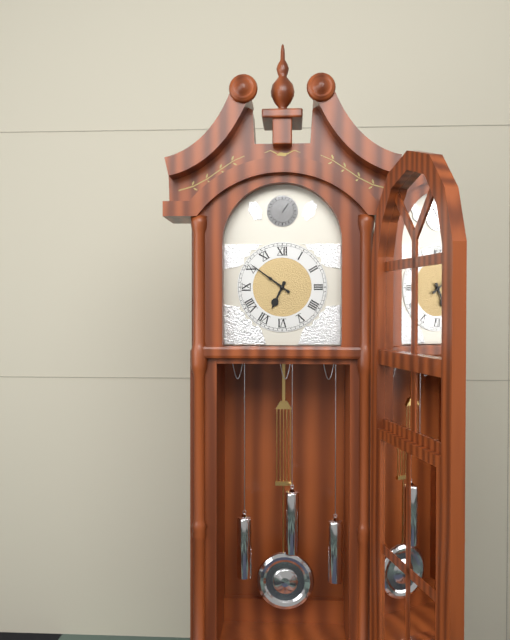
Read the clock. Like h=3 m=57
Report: h=6 m=51
